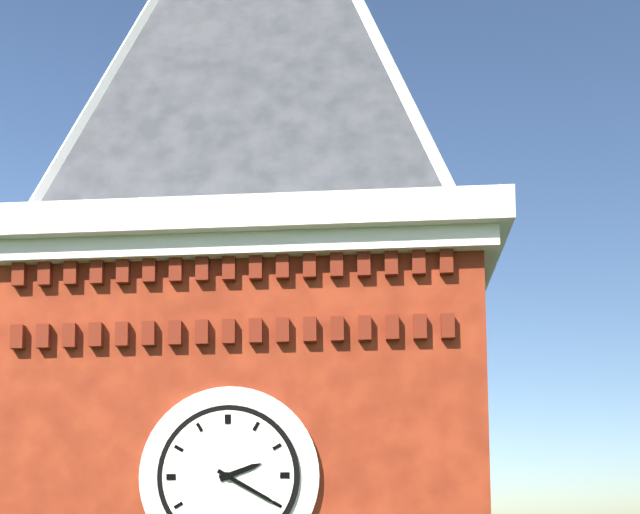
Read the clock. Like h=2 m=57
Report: h=2 m=20
